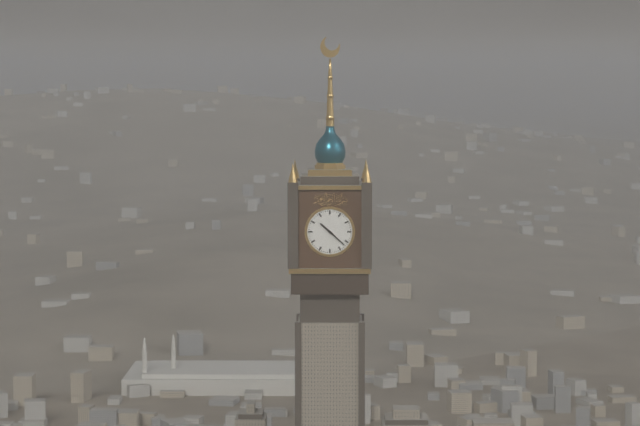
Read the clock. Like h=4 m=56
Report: h=10 m=22
